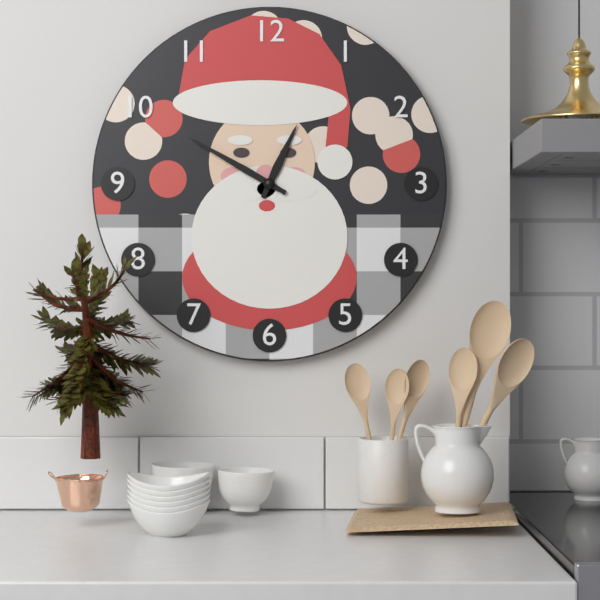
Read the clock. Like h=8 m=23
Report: h=12 m=50
